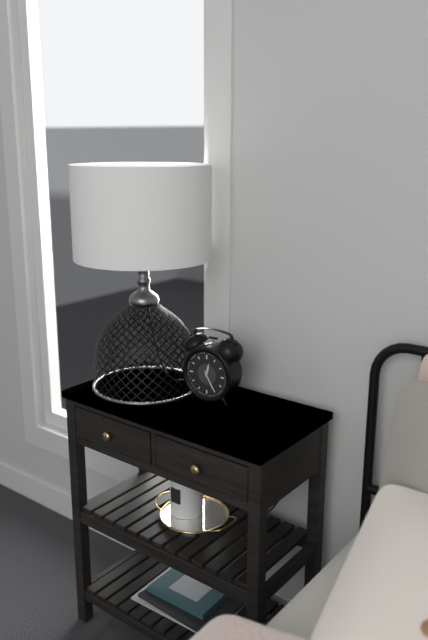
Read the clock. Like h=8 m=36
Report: h=12 m=25
